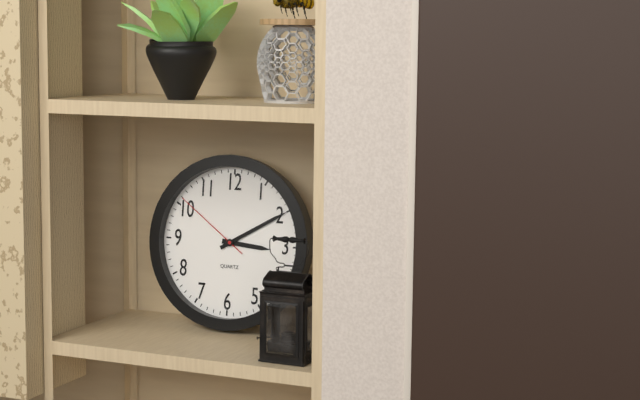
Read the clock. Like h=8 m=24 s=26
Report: h=3 m=10 s=51
